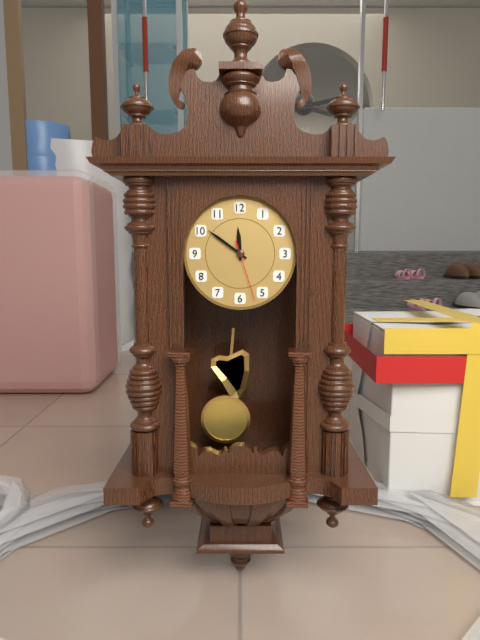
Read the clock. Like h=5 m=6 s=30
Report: h=11 m=51 s=27
